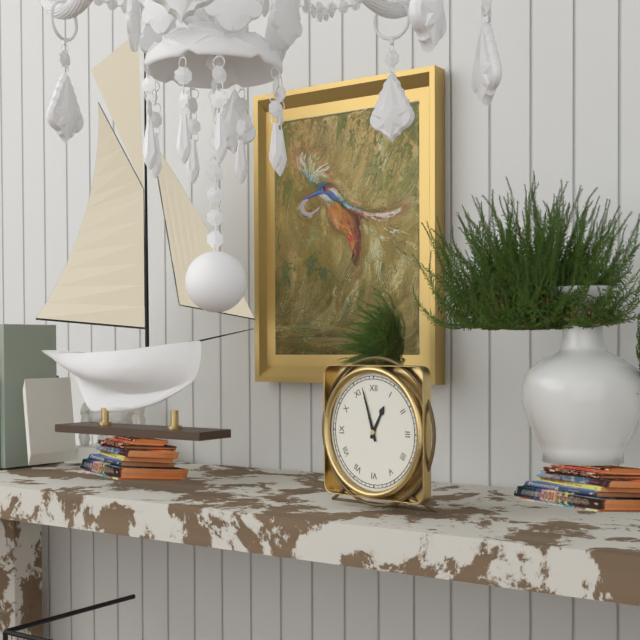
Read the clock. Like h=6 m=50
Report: h=12 m=57
